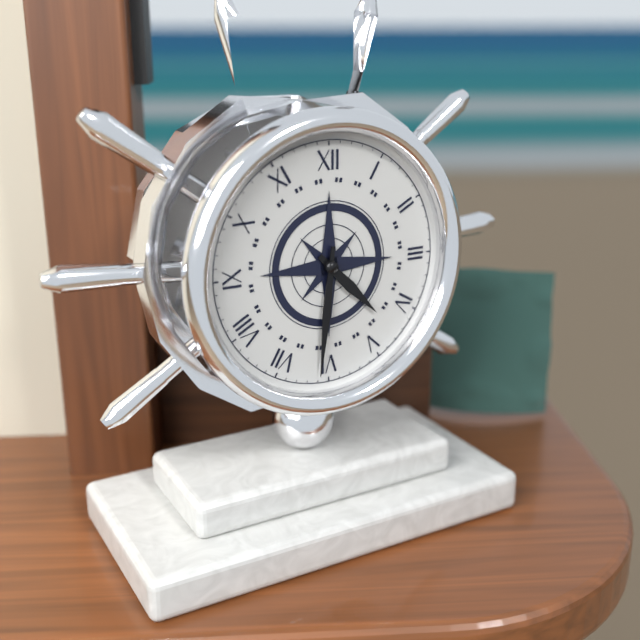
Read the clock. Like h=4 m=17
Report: h=4 m=31
